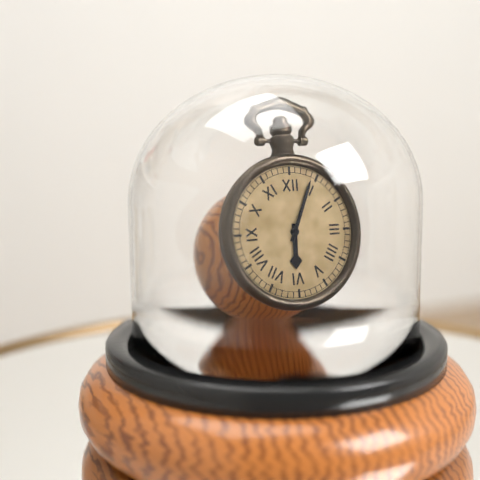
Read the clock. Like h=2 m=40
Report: h=6 m=4
